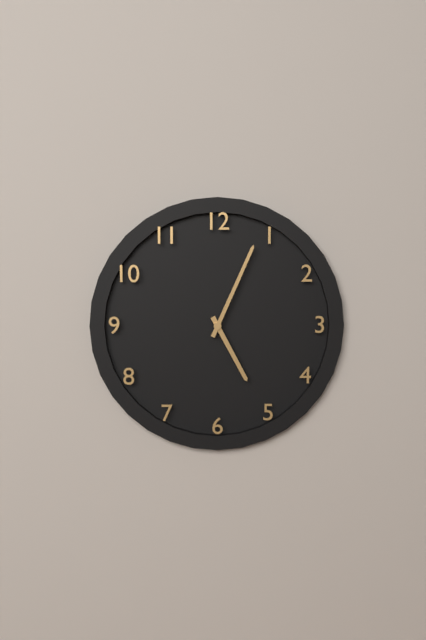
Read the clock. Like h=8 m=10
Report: h=5 m=4
